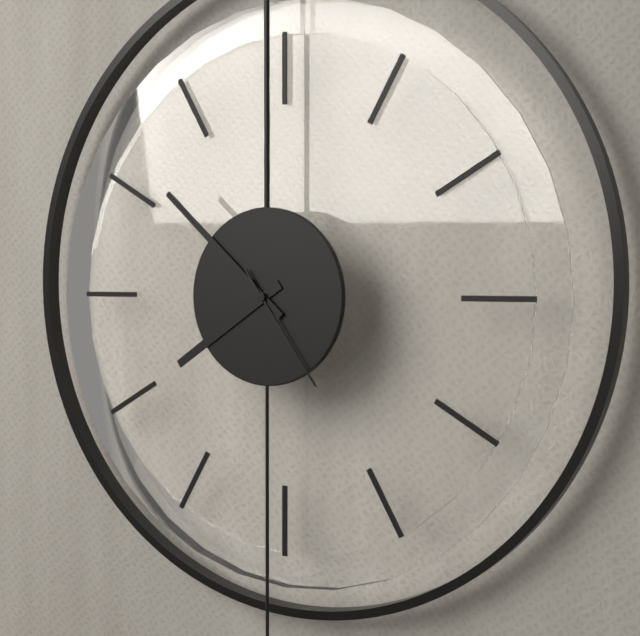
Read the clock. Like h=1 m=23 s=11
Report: h=7 m=52 s=24
